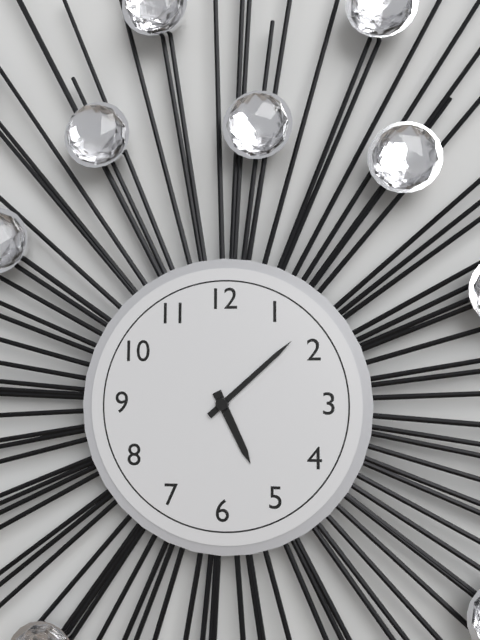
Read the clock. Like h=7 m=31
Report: h=5 m=8
